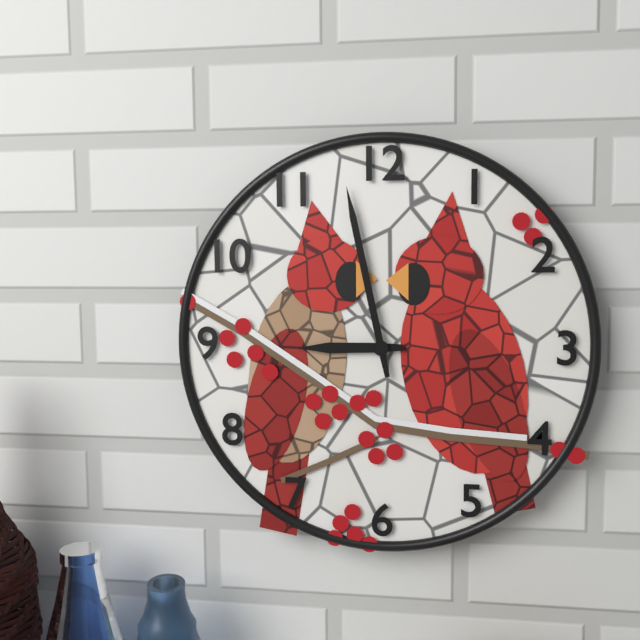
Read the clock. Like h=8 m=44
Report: h=8 m=58
